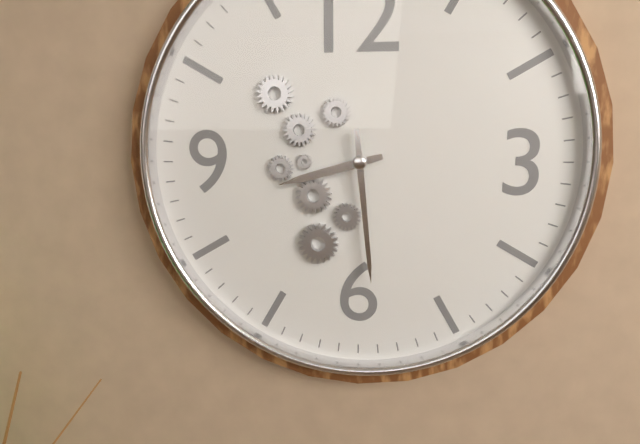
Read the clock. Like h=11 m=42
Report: h=8 m=29
